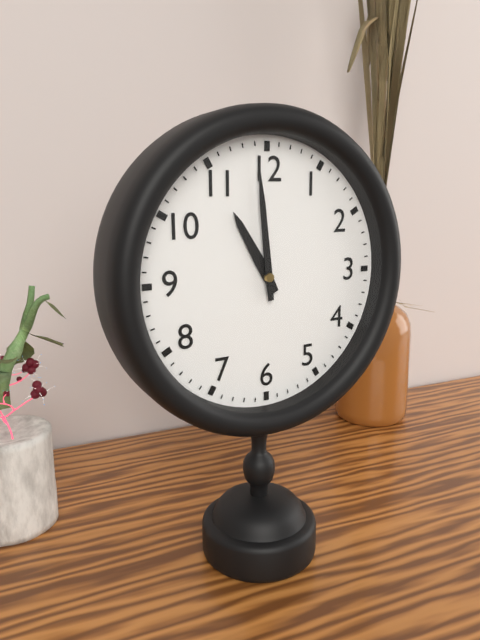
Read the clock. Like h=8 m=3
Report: h=10 m=59
